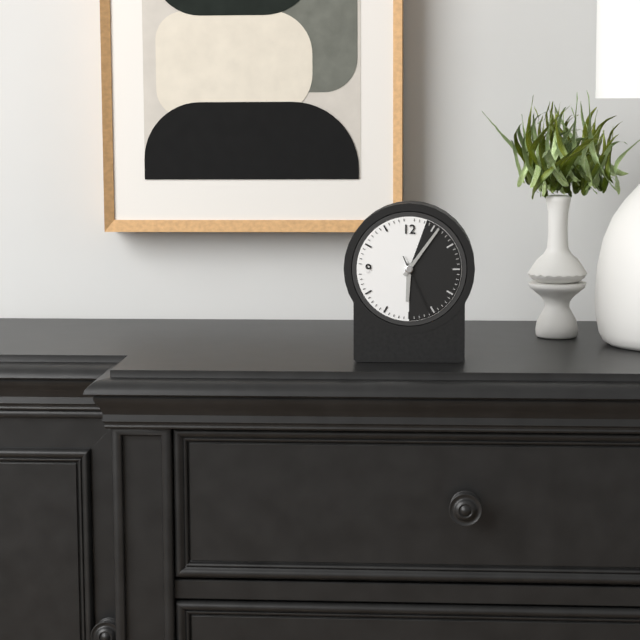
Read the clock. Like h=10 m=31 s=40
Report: h=6 m=6 s=26
